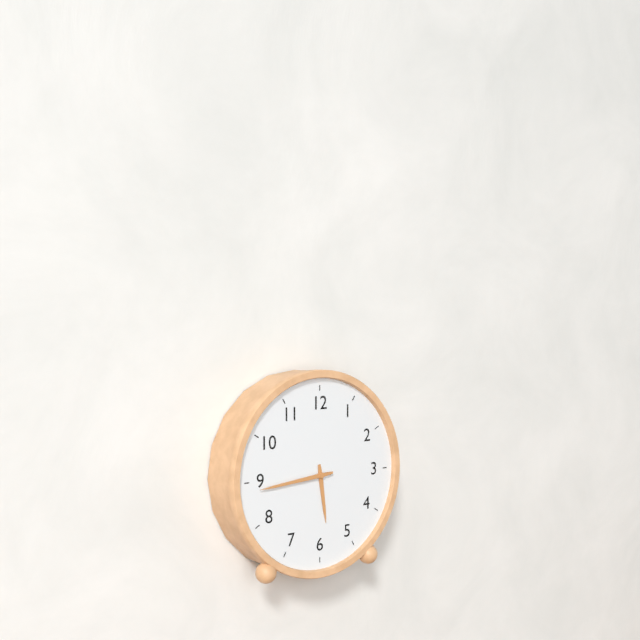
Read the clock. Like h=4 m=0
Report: h=5 m=44
